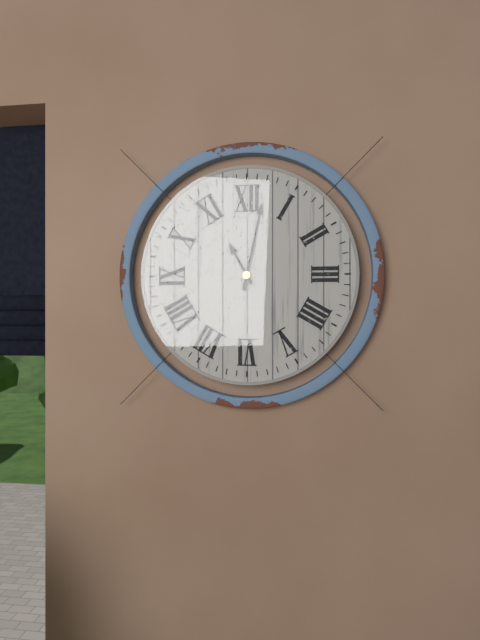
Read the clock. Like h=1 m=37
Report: h=11 m=2
